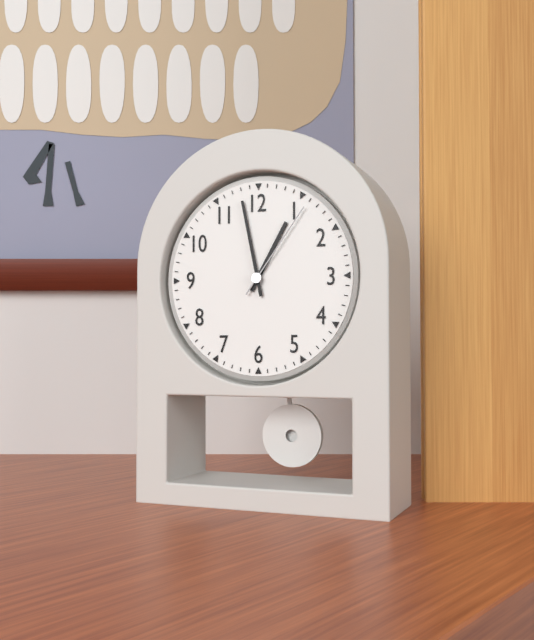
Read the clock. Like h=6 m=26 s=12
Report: h=12 m=58 s=6
